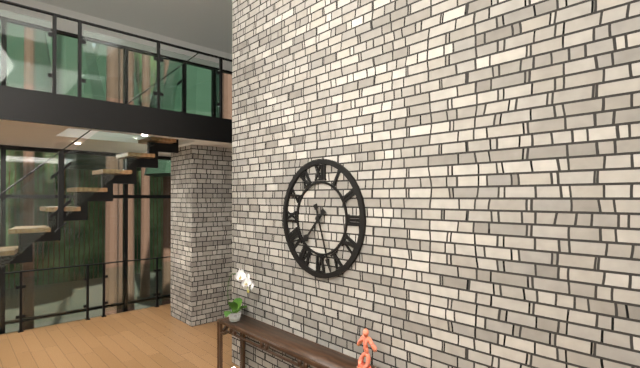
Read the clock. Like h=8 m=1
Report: h=7 m=27
